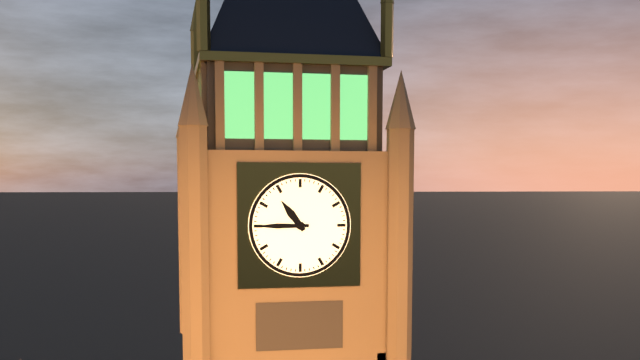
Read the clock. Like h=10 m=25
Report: h=10 m=45
